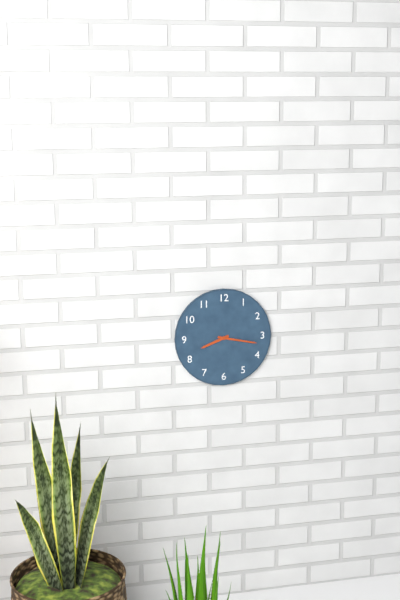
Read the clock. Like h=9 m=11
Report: h=8 m=17
